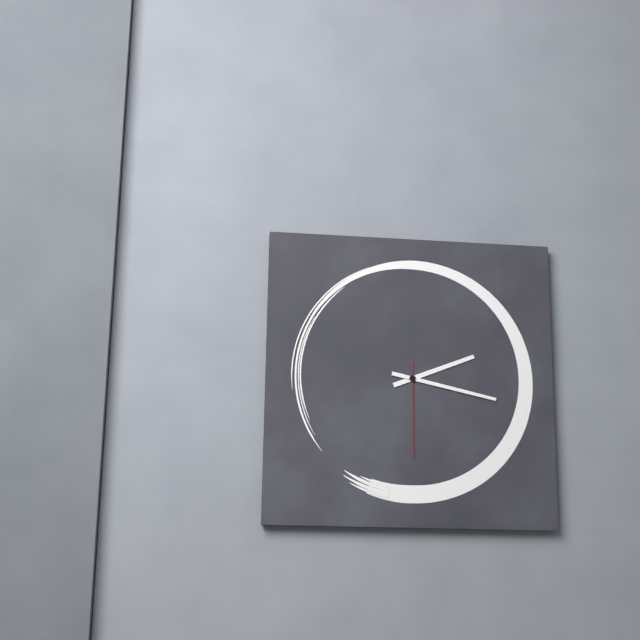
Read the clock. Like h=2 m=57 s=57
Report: h=2 m=17 s=30
